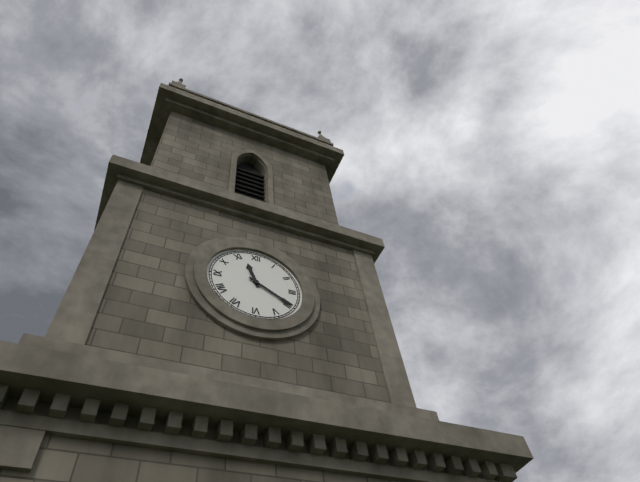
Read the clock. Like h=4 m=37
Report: h=11 m=20
